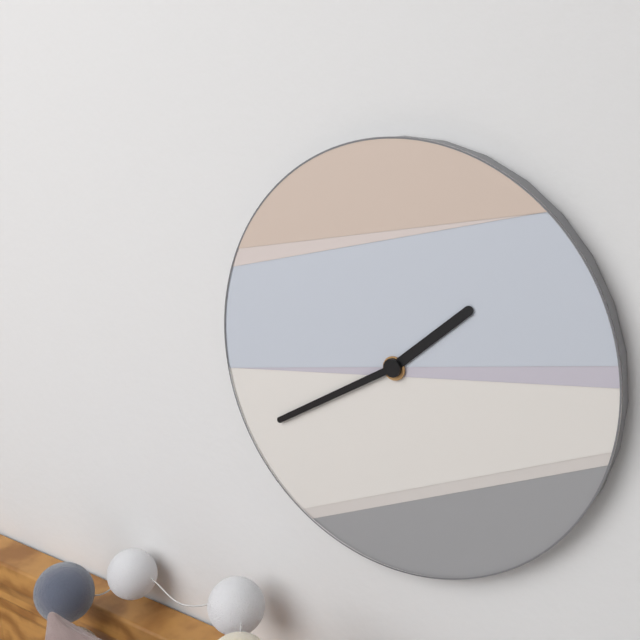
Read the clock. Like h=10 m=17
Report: h=1 m=40
